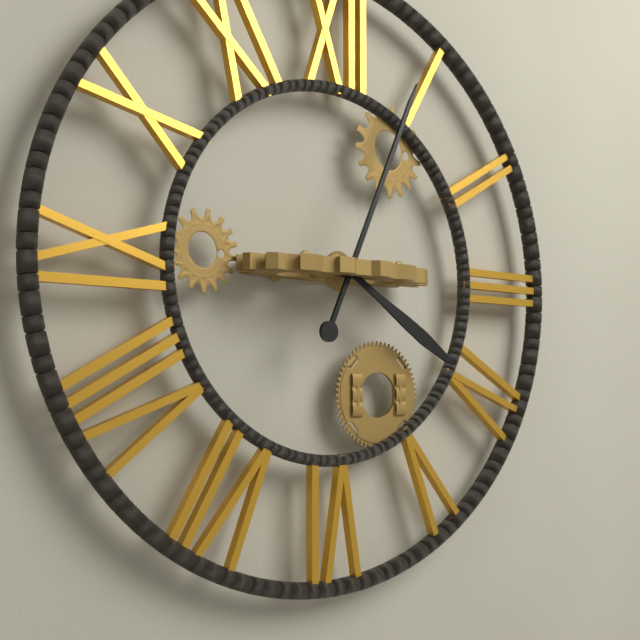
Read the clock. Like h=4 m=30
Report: h=4 m=4
